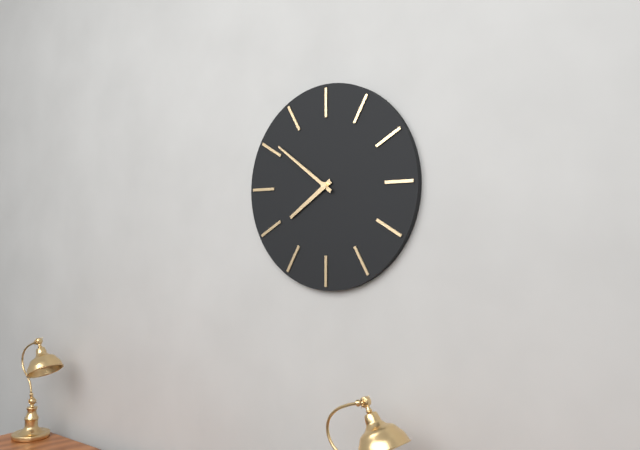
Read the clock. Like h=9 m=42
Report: h=7 m=51
